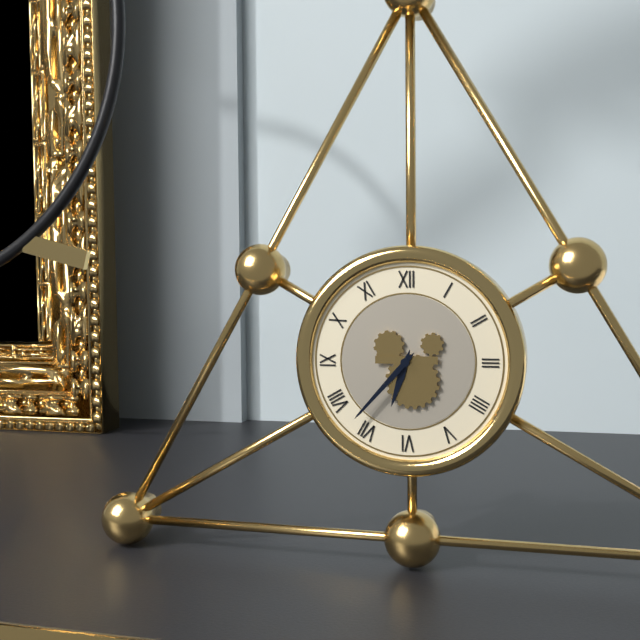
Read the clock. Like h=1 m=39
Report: h=6 m=37
